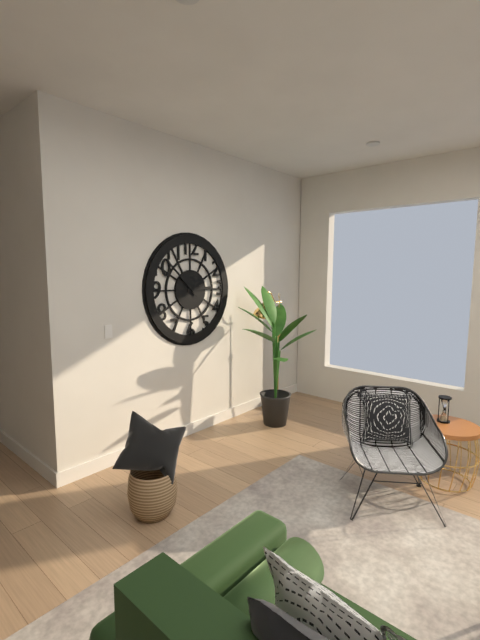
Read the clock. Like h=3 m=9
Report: h=2 m=52
